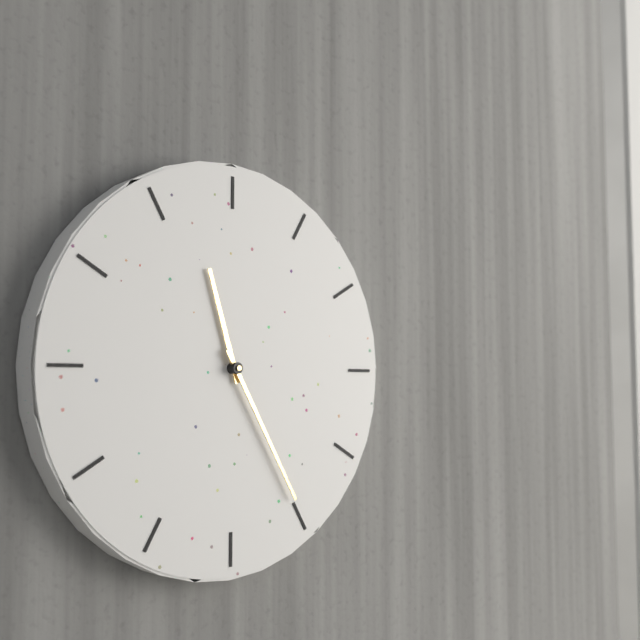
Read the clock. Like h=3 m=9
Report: h=11 m=25
